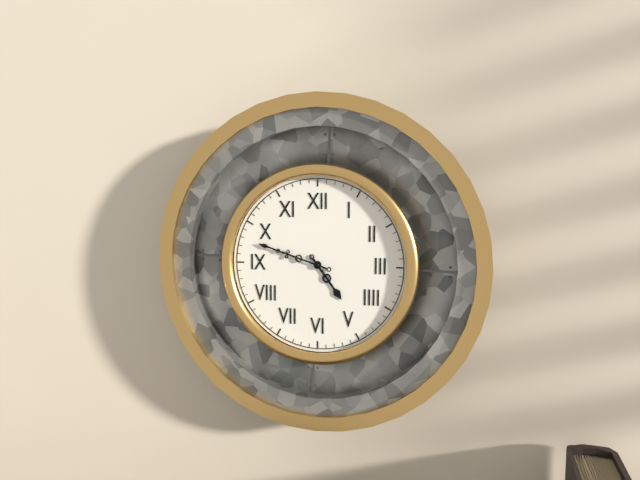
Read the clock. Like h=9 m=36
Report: h=4 m=48
